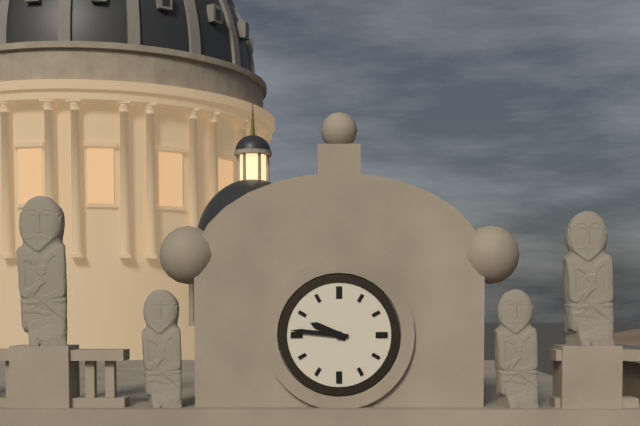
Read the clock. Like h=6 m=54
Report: h=9 m=46
